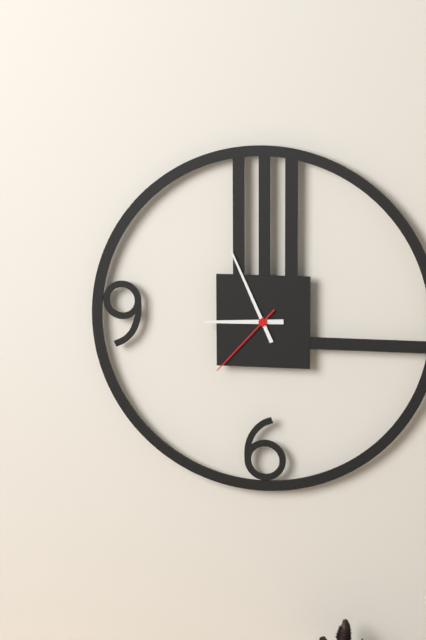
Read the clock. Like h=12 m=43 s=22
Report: h=8 m=56 s=37
